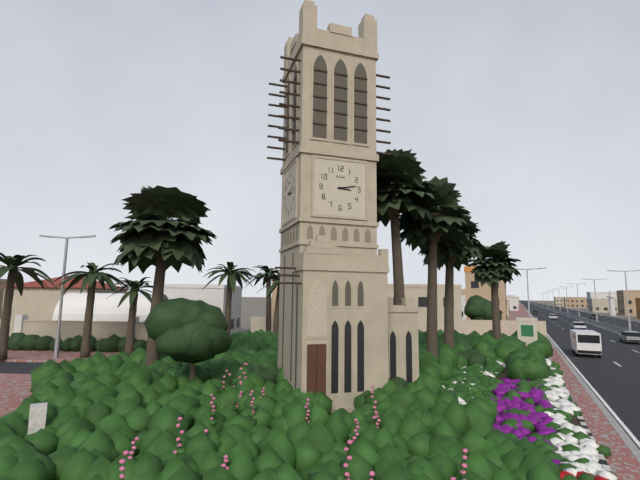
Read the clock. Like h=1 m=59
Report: h=3 m=13
